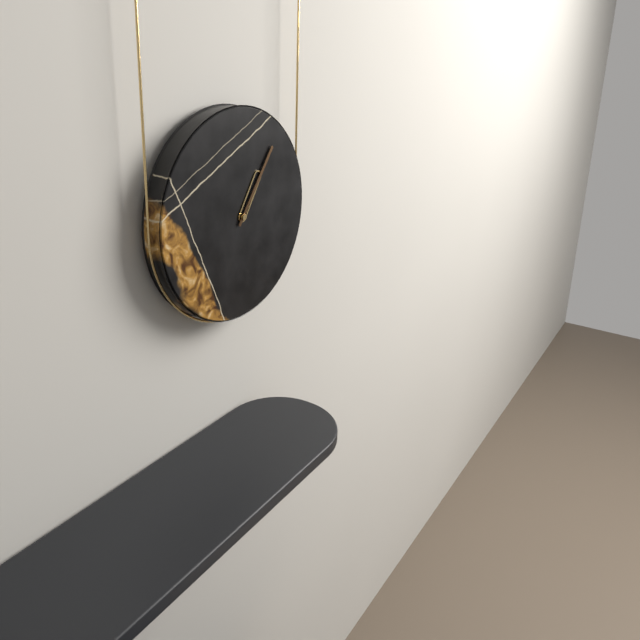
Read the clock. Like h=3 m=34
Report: h=1 m=6
